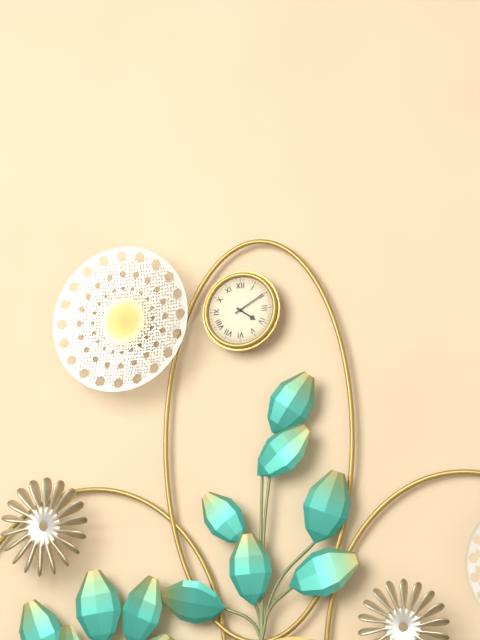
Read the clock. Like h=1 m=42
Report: h=4 m=10
